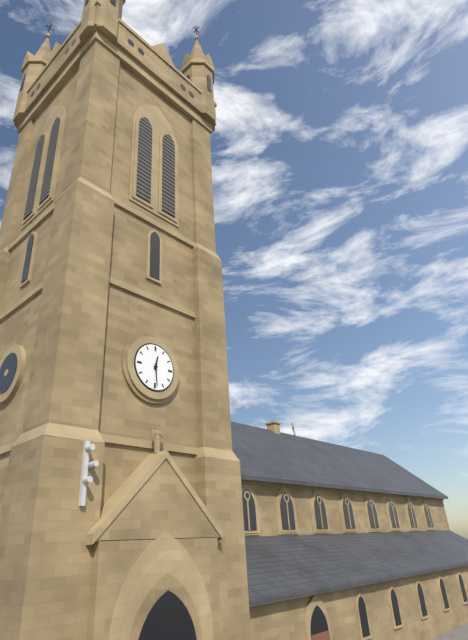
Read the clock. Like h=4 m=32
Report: h=12 m=29
